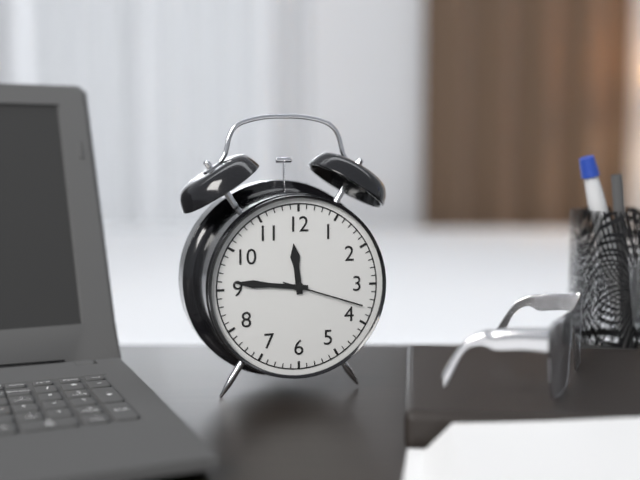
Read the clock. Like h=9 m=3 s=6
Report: h=11 m=46 s=18
